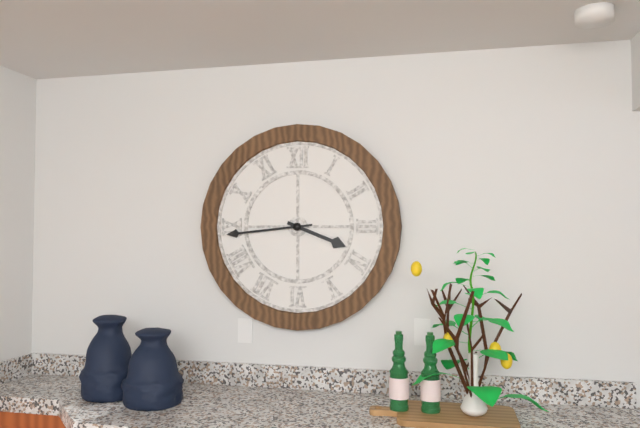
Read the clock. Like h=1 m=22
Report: h=3 m=44
